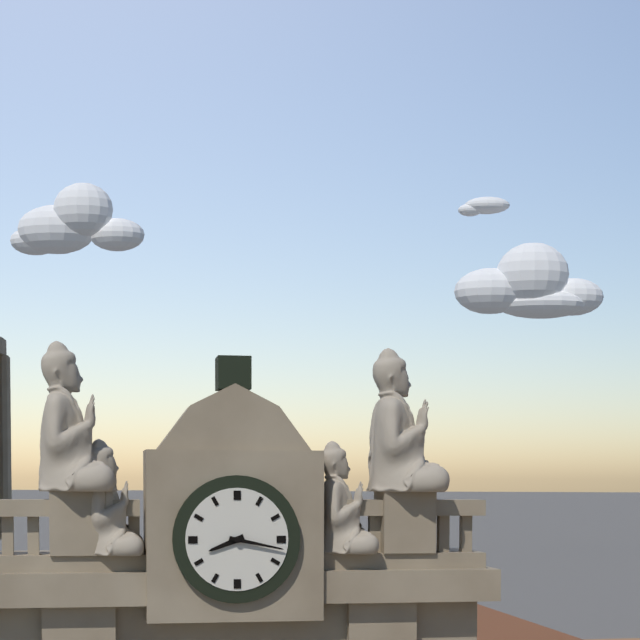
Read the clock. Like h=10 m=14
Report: h=8 m=17
